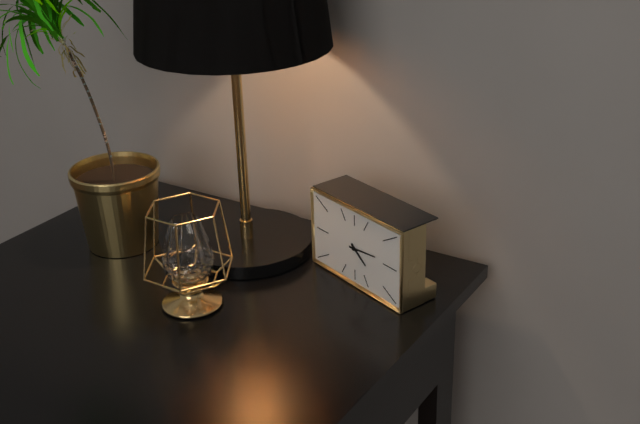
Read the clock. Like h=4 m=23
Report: h=4 m=14
